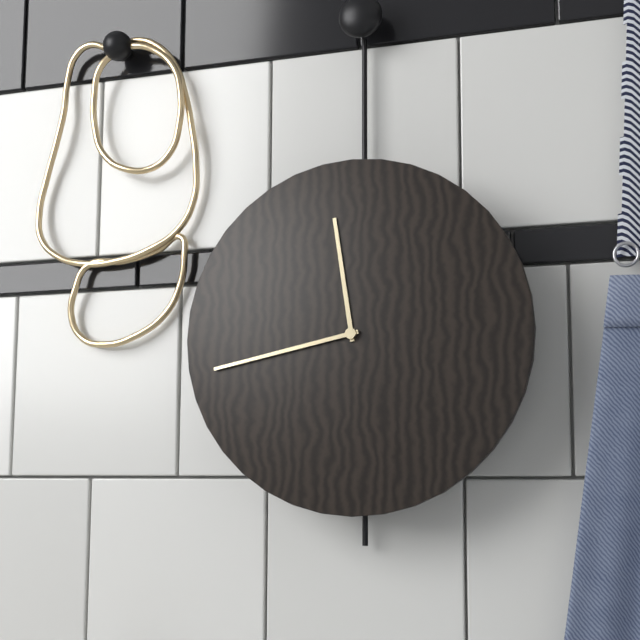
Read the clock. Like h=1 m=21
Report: h=11 m=43
